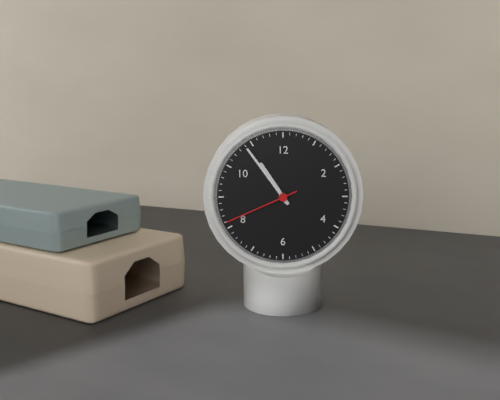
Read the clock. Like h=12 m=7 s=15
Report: h=10 m=54 s=41
